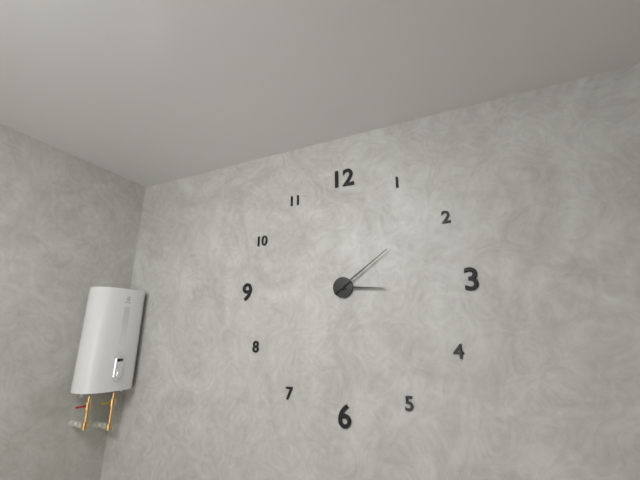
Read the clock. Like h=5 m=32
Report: h=3 m=9
